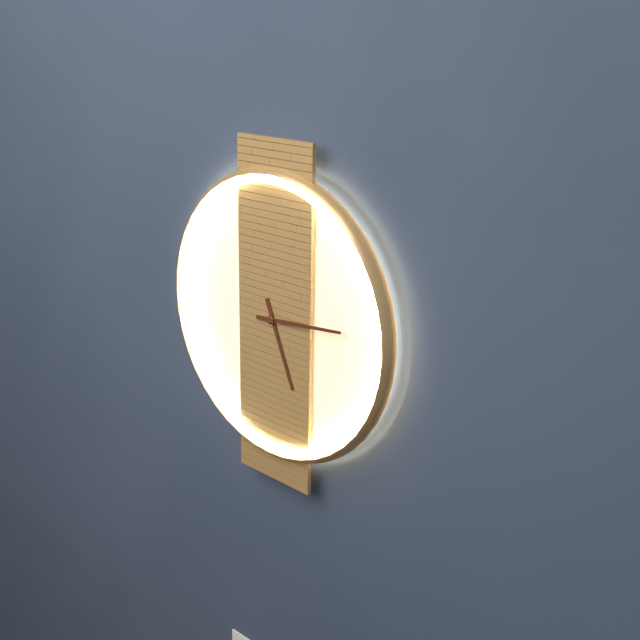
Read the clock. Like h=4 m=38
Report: h=5 m=14
